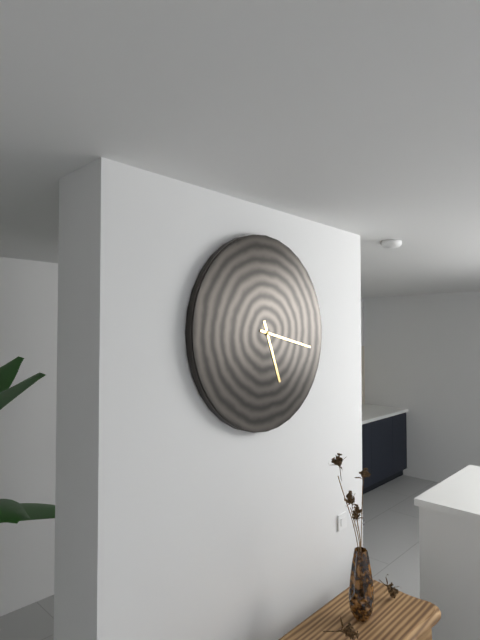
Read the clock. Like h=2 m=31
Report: h=5 m=17
